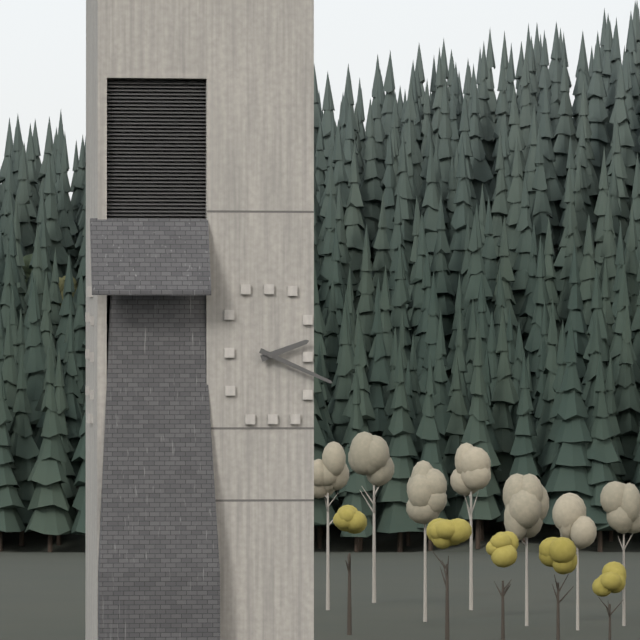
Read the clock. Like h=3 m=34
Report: h=2 m=19
